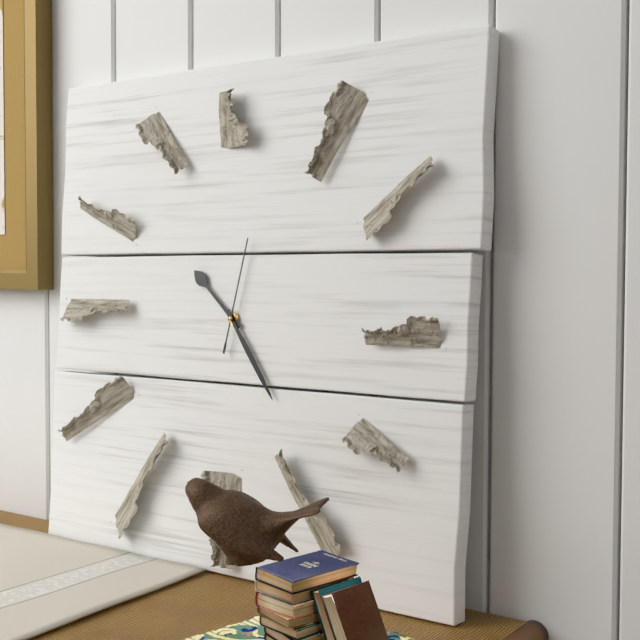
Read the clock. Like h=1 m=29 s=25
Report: h=10 m=24 s=2
